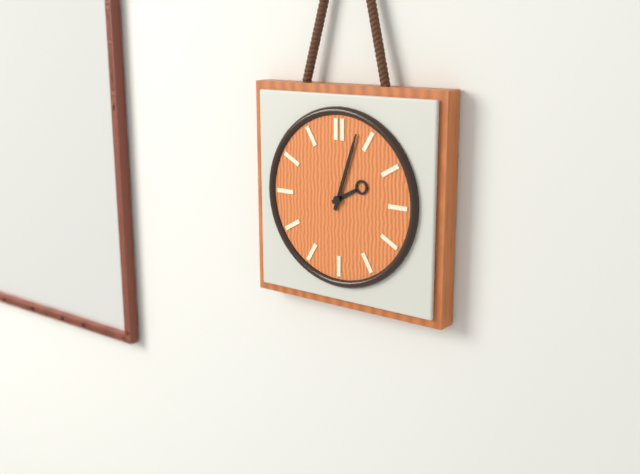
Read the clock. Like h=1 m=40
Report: h=2 m=3
